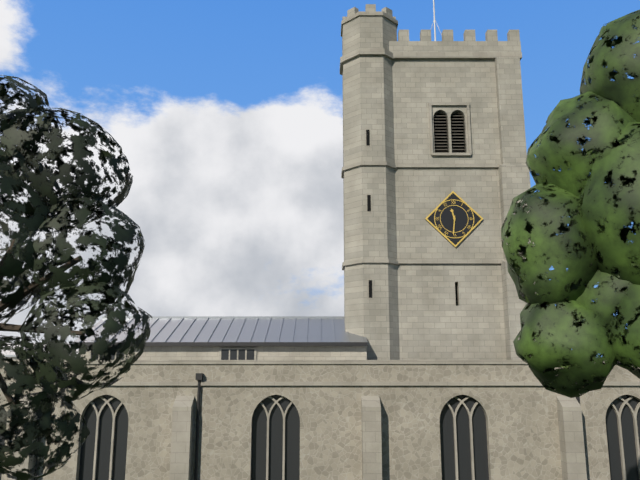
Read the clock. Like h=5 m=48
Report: h=11 m=31
